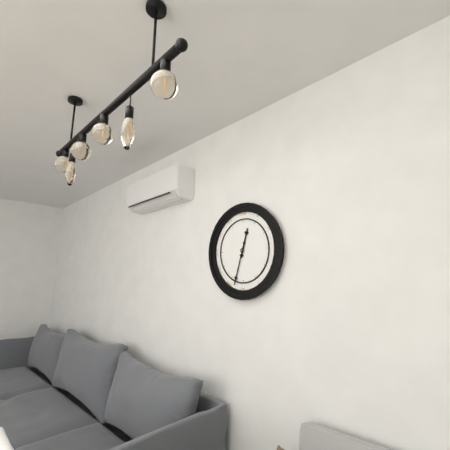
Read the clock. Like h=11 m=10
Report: h=12 m=33
